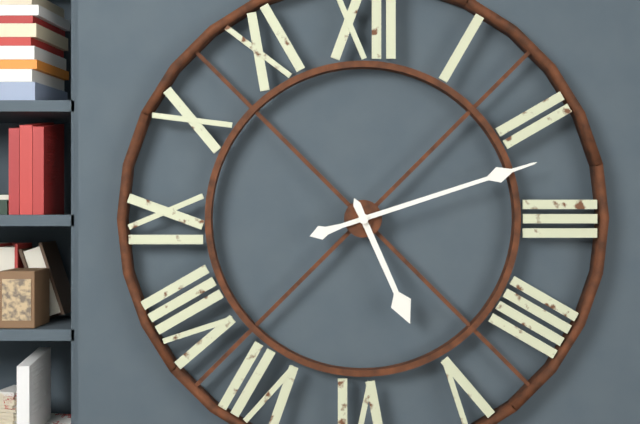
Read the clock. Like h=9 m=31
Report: h=5 m=12
